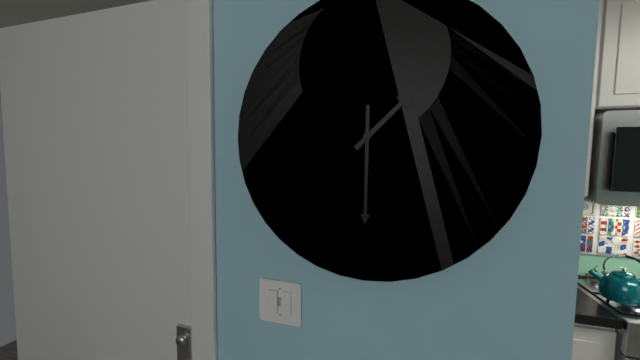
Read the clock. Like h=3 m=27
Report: h=1 m=30
